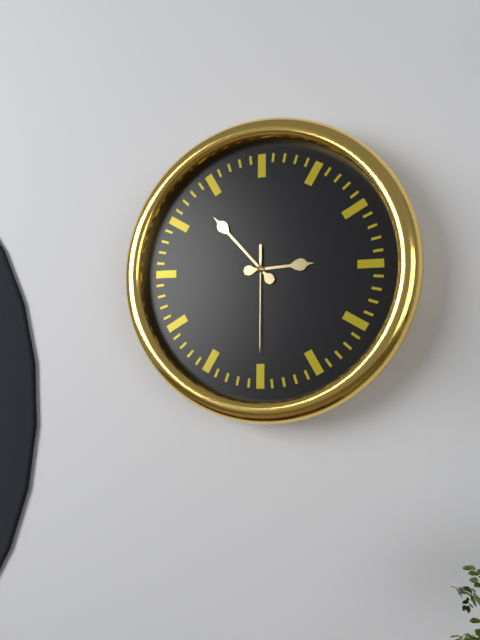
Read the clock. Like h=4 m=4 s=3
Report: h=2 m=53 s=30
